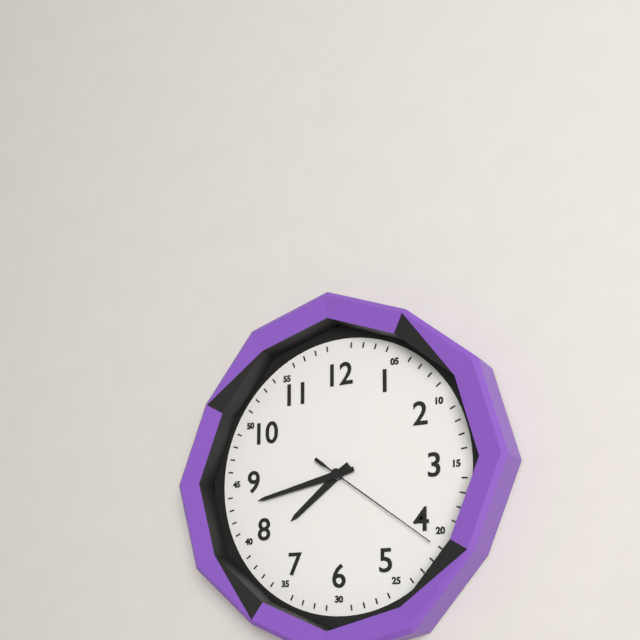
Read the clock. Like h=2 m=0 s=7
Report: h=7 m=43 s=21
